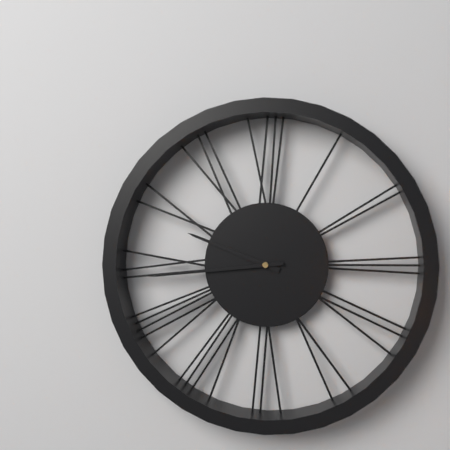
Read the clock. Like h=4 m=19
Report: h=9 m=44
